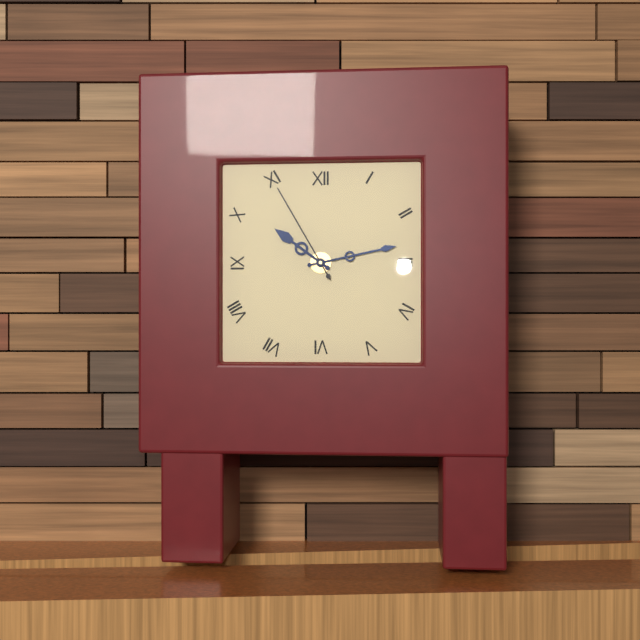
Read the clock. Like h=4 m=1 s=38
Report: h=10 m=13 s=55
